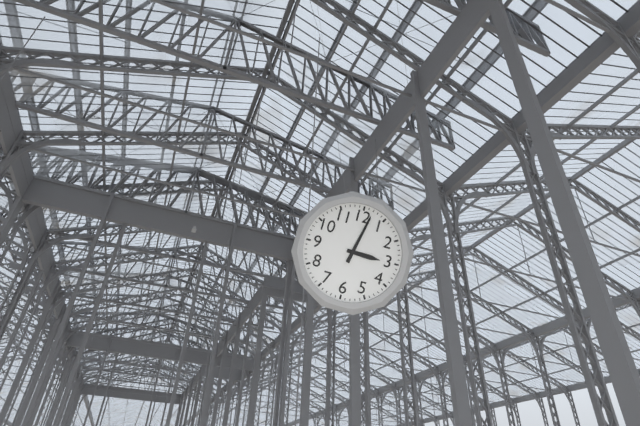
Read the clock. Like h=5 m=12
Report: h=3 m=2
